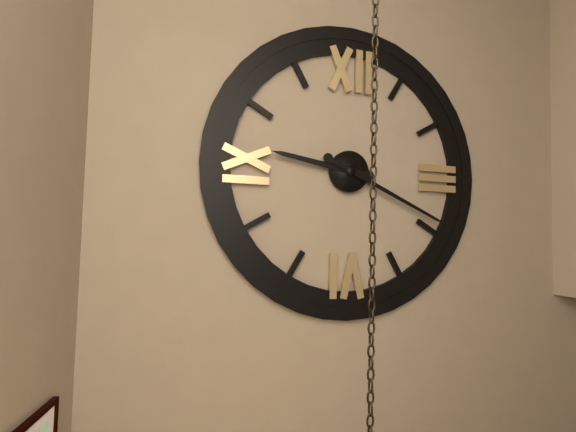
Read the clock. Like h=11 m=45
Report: h=9 m=19
